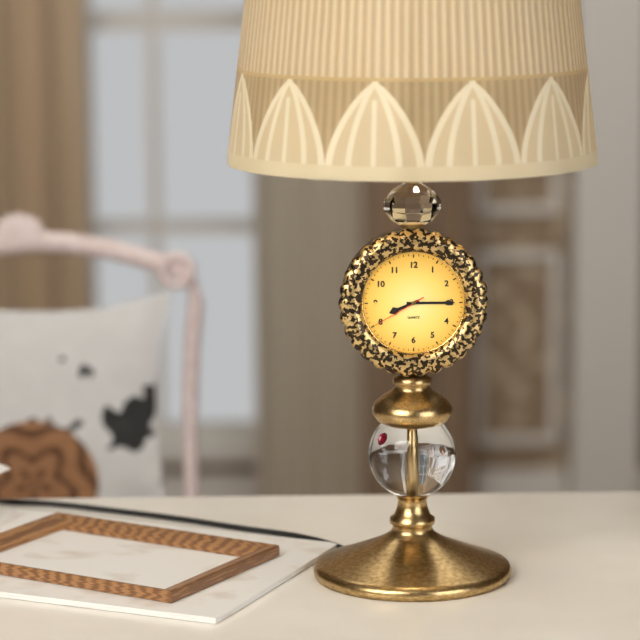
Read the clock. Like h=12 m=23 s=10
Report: h=8 m=15 s=40
